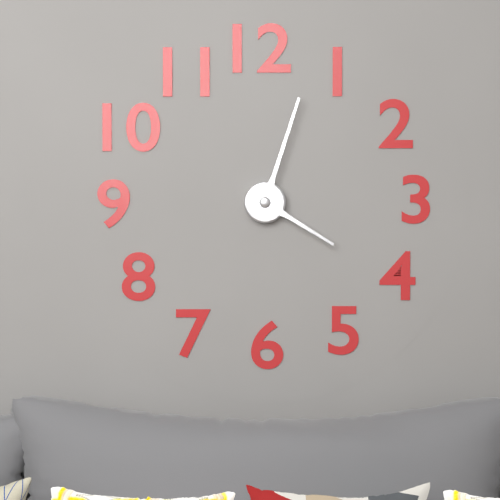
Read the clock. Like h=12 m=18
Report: h=4 m=3
